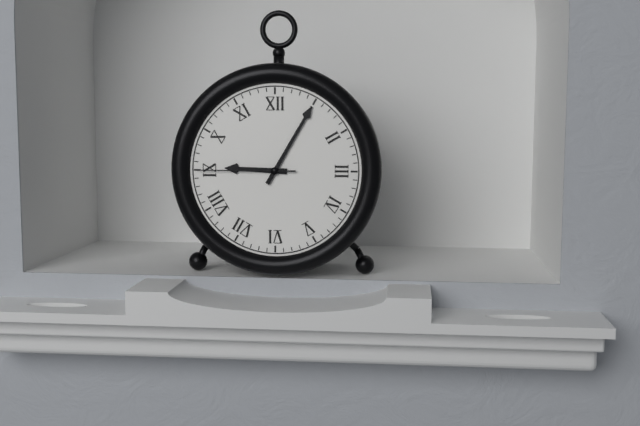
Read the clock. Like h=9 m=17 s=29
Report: h=9 m=5 s=45
